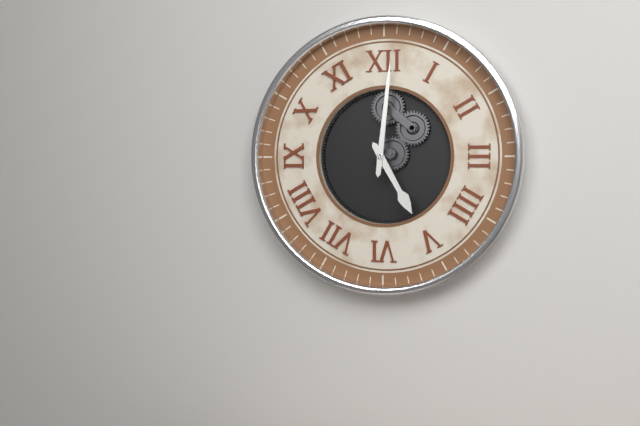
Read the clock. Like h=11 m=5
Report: h=5 m=1
